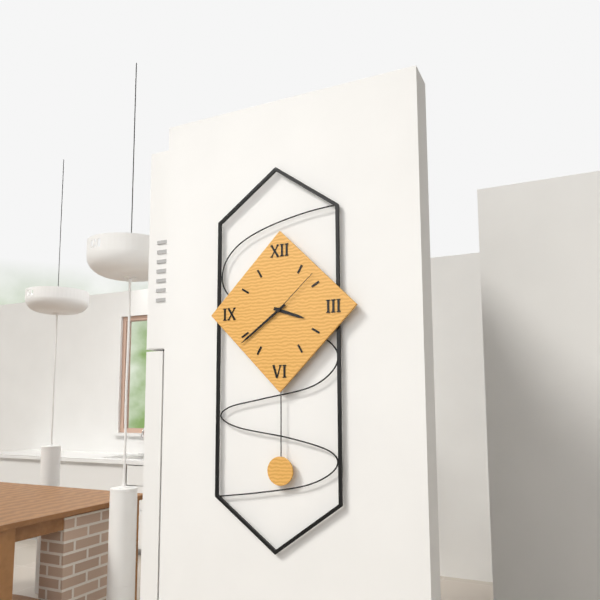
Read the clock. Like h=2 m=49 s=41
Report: h=3 m=39 s=8
